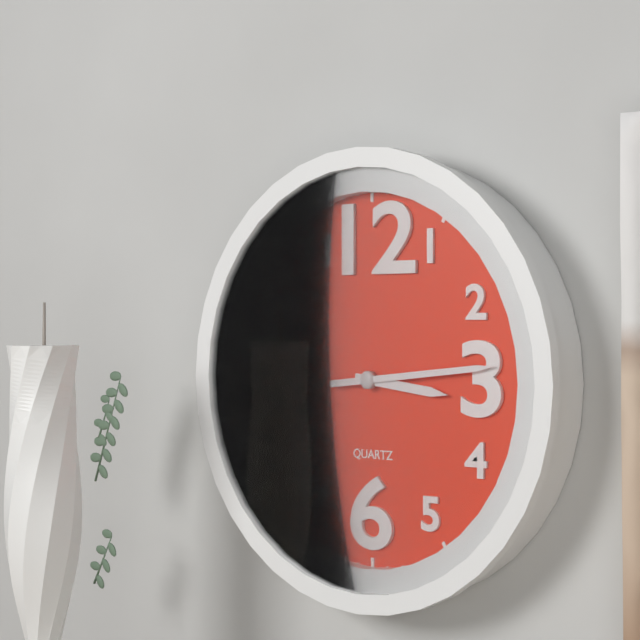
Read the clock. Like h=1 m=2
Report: h=3 m=14
